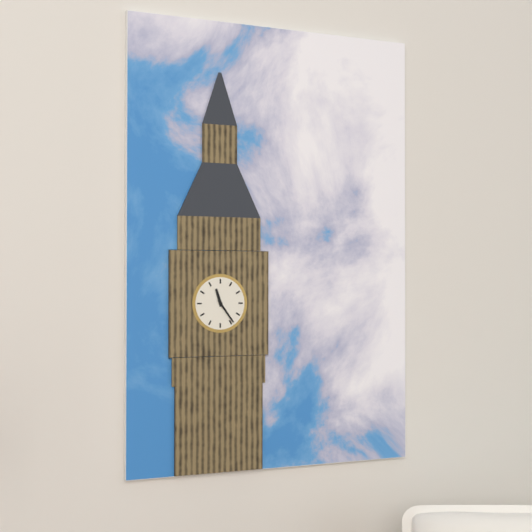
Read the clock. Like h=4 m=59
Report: h=11 m=24
